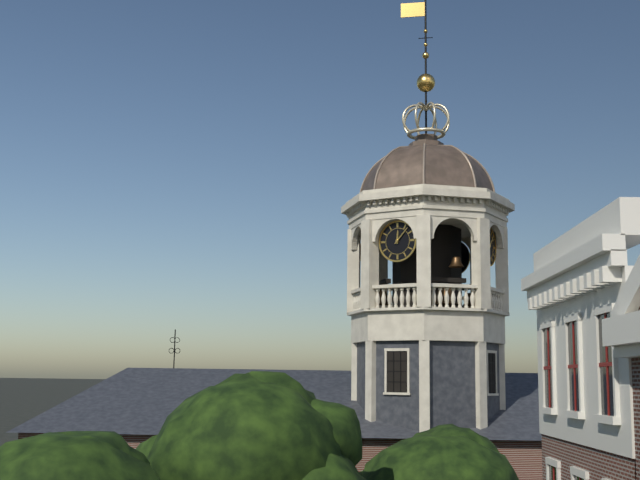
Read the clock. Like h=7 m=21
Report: h=12 m=7
